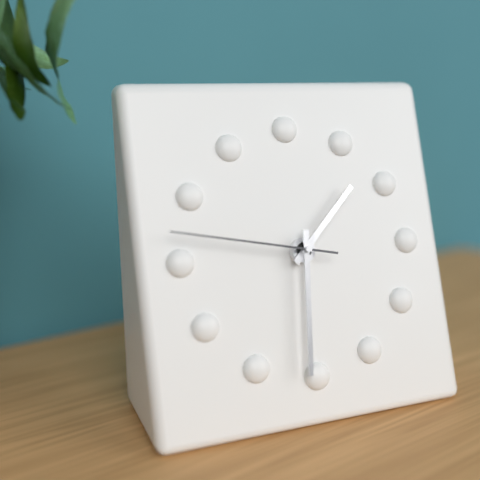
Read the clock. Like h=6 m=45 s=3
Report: h=1 m=31 s=47
